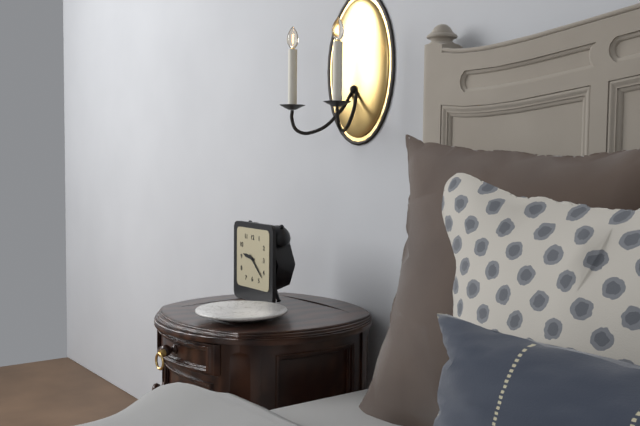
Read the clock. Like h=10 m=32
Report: h=9 m=22
